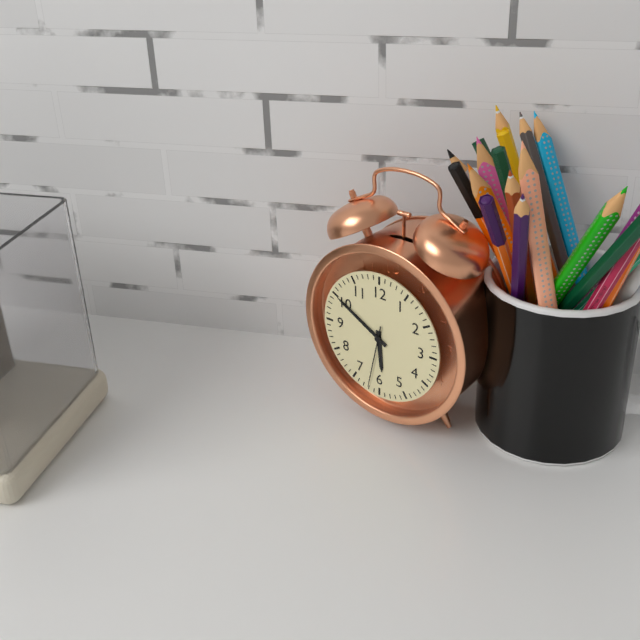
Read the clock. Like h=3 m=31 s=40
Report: h=5 m=50 s=32
